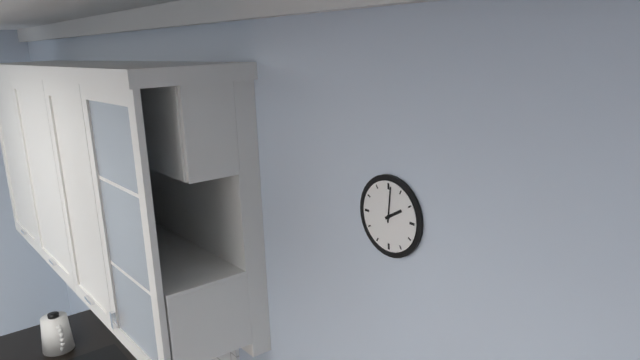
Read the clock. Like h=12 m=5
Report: h=2 m=1
